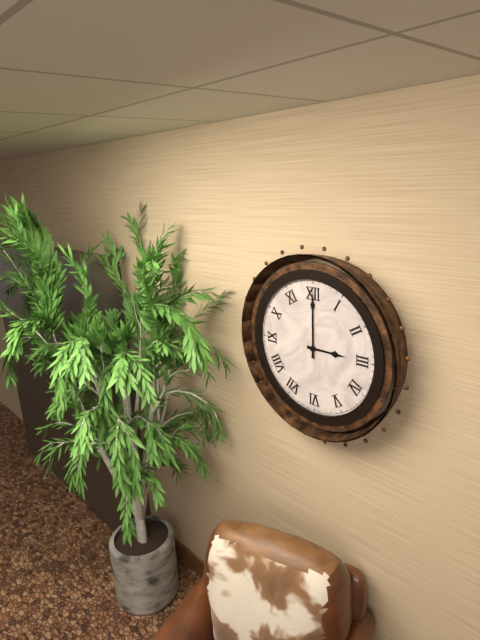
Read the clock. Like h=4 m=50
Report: h=3 m=0
